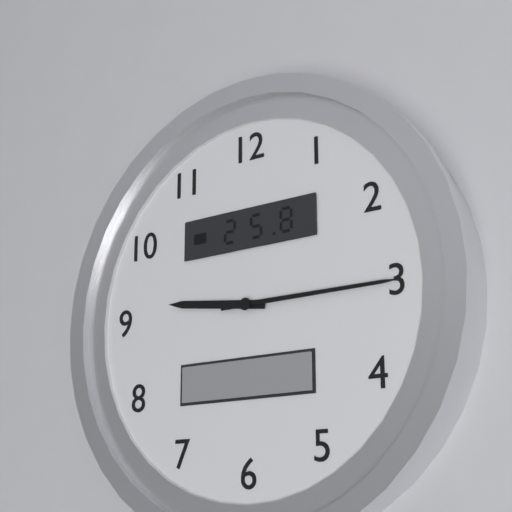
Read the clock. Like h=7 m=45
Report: h=9 m=15
